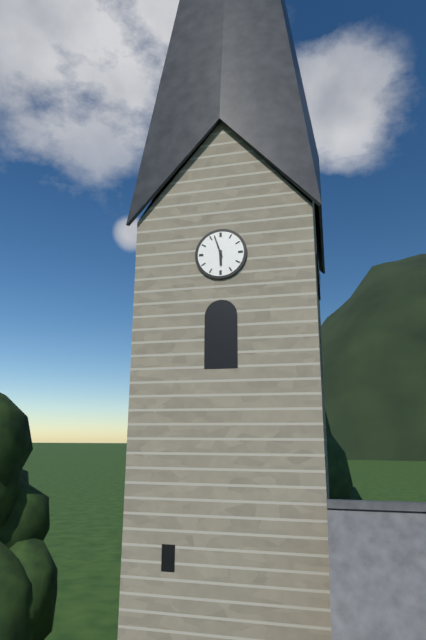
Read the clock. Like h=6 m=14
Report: h=5 m=57
